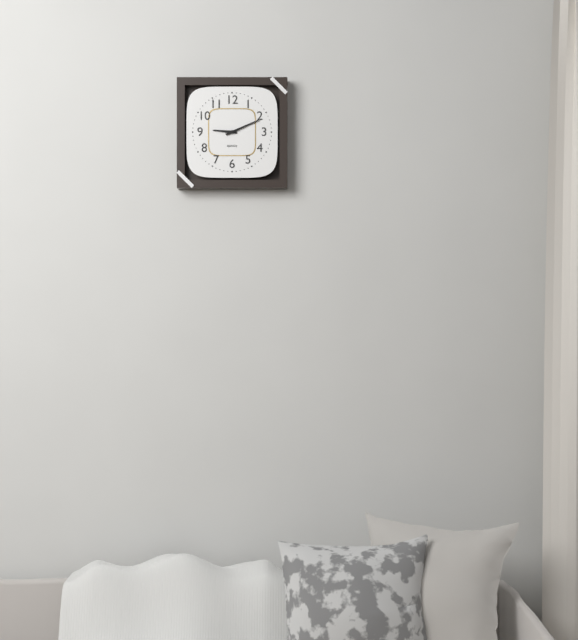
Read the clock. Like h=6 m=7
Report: h=9 m=11
